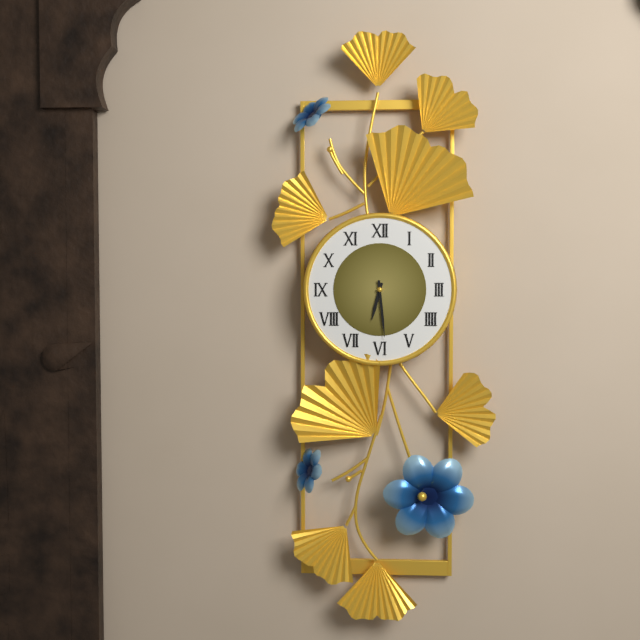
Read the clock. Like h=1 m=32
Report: h=6 m=29
